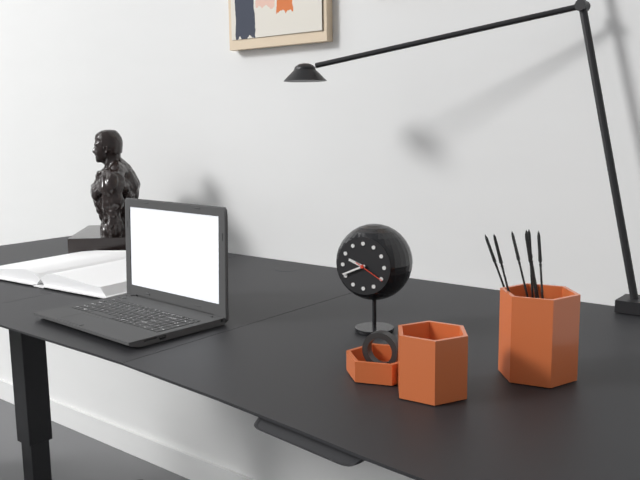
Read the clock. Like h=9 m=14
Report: h=9 m=41
